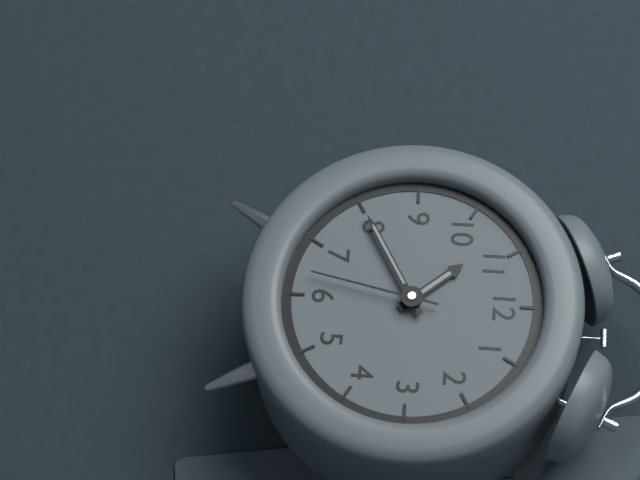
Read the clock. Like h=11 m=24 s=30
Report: h=10 m=40 s=32
